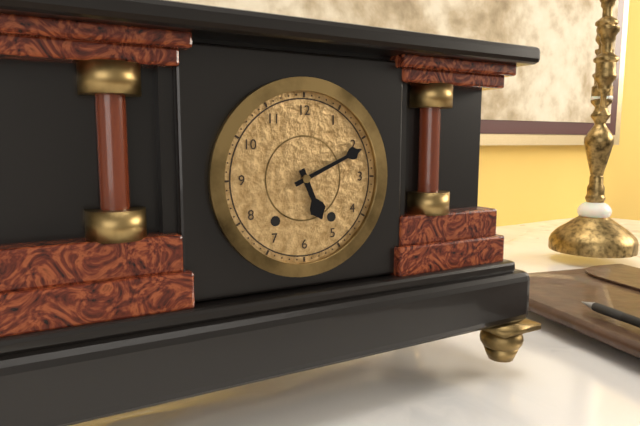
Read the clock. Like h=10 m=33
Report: h=5 m=11
